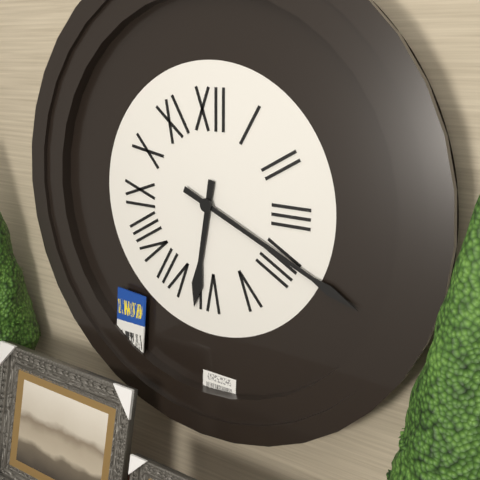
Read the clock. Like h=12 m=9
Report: h=6 m=19
